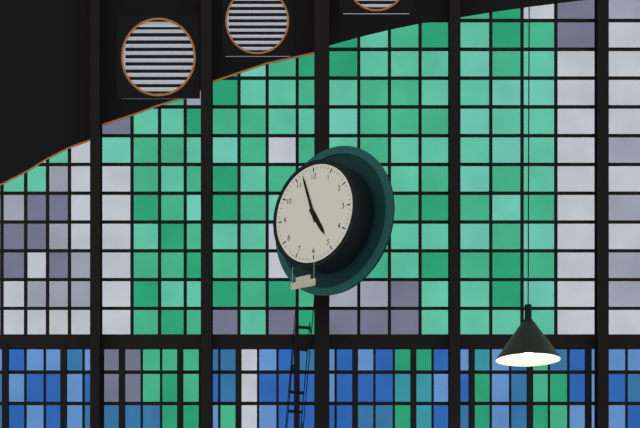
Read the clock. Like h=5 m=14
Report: h=4 m=57
